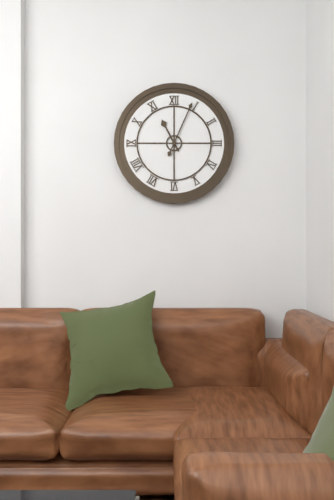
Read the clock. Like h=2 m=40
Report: h=11 m=4
